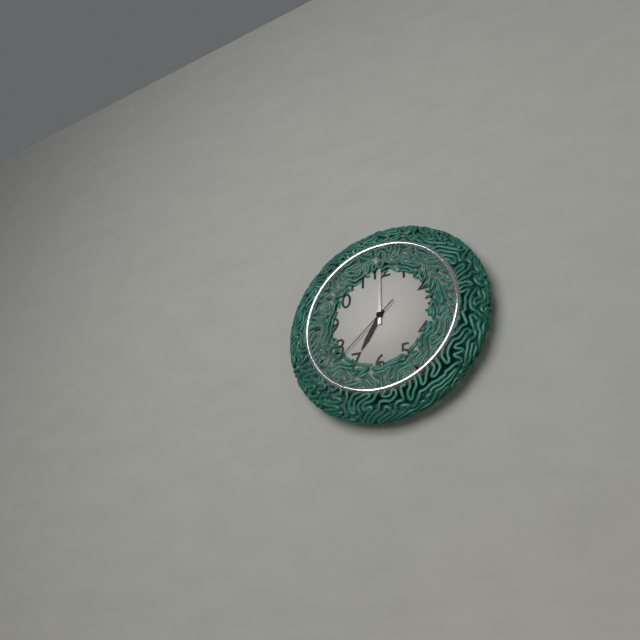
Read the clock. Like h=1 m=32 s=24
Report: h=7 m=0 s=38
